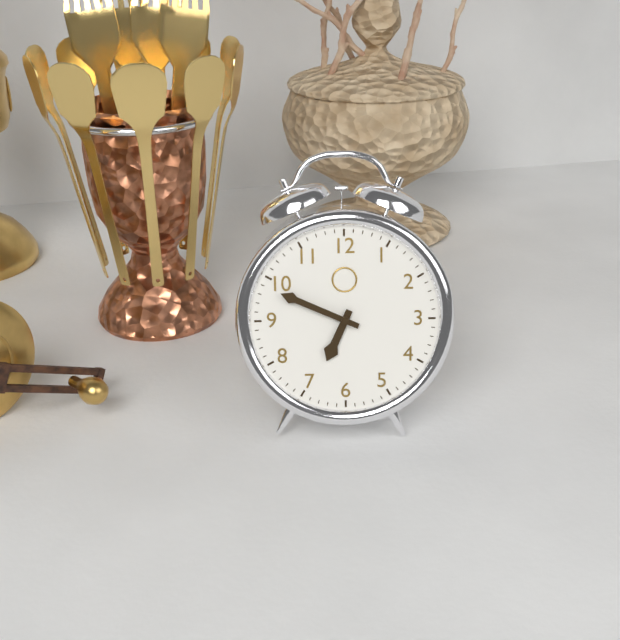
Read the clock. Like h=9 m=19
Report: h=6 m=49
